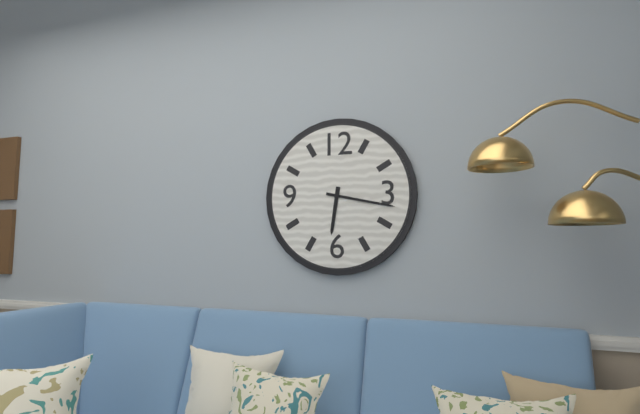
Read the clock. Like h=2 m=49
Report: h=6 m=17
